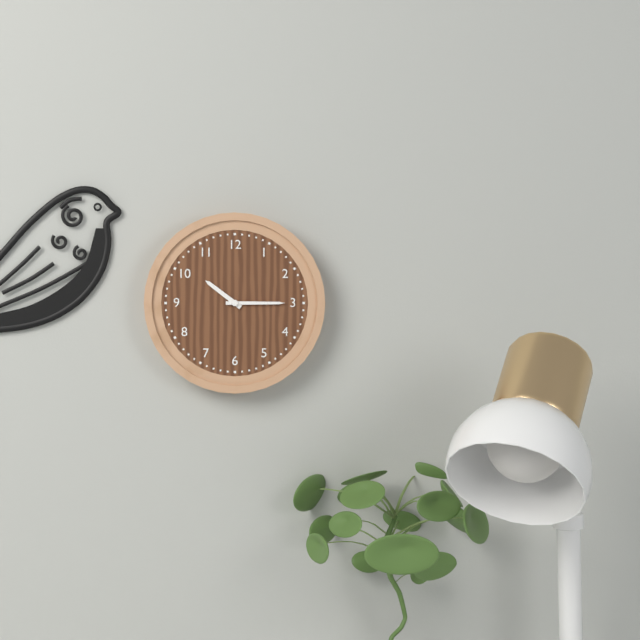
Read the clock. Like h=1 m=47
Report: h=10 m=15
